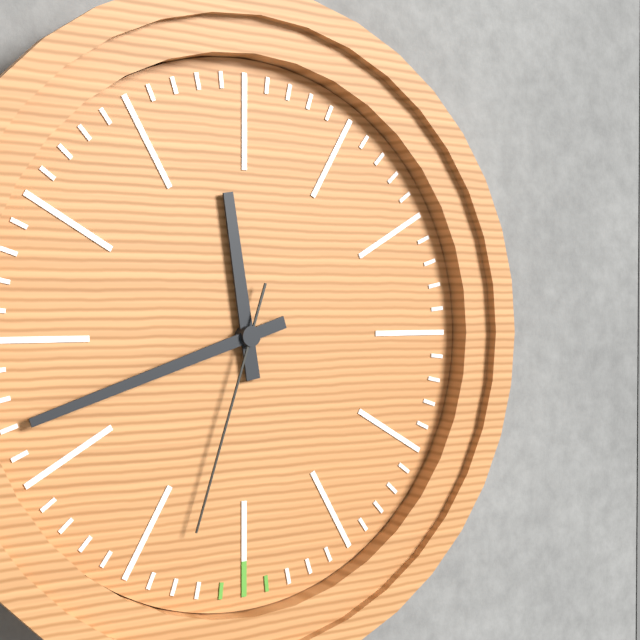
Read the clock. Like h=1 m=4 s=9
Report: h=11 m=42 s=33
